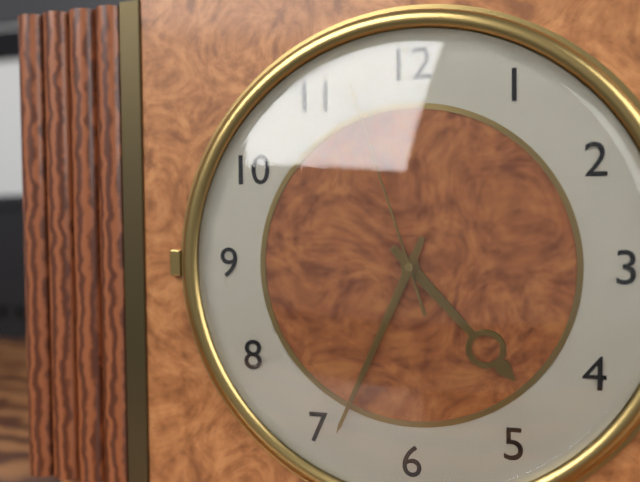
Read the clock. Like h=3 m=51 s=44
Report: h=4 m=34 s=57
